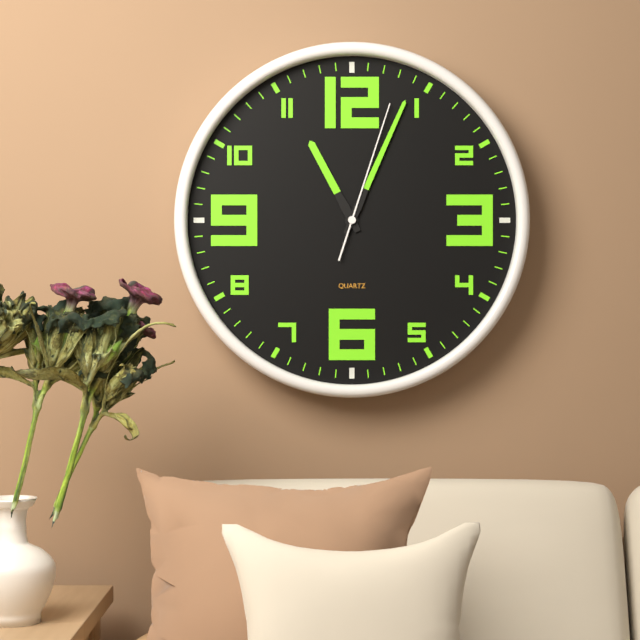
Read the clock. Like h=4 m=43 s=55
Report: h=11 m=4 s=3
